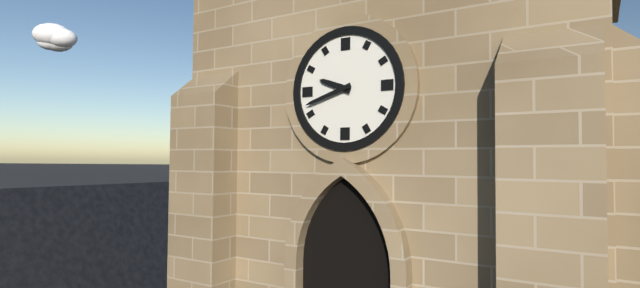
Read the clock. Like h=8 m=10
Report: h=9 m=42
